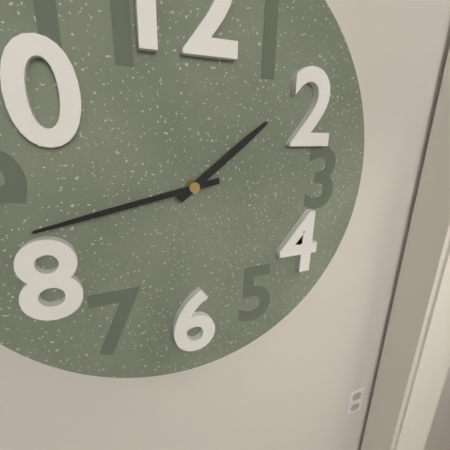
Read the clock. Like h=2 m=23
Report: h=1 m=43
